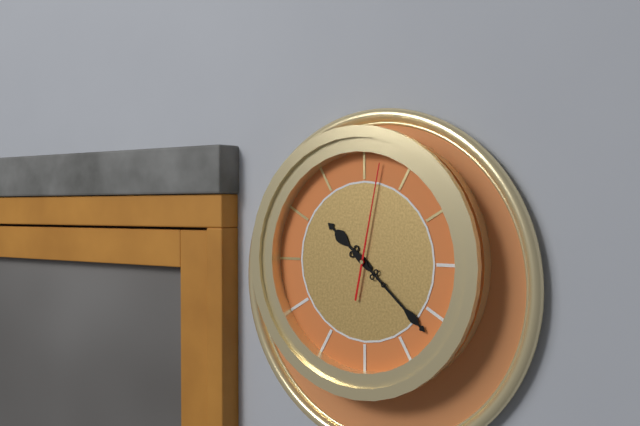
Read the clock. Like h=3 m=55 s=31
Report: h=10 m=22 s=2
